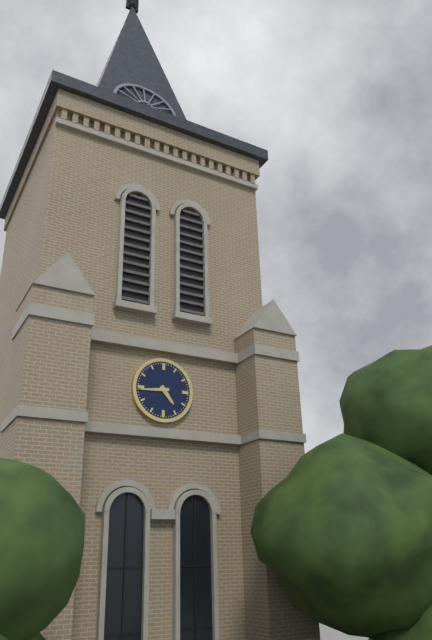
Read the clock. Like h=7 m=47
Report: h=4 m=44
